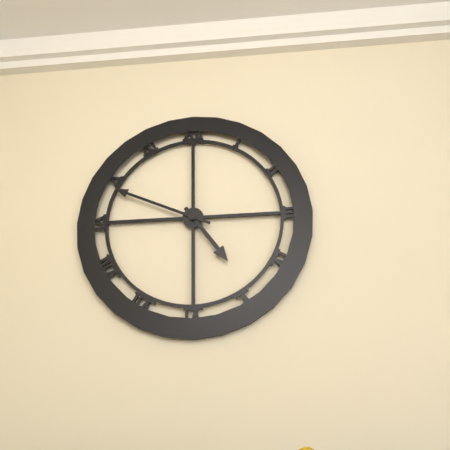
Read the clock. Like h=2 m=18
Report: h=4 m=49
